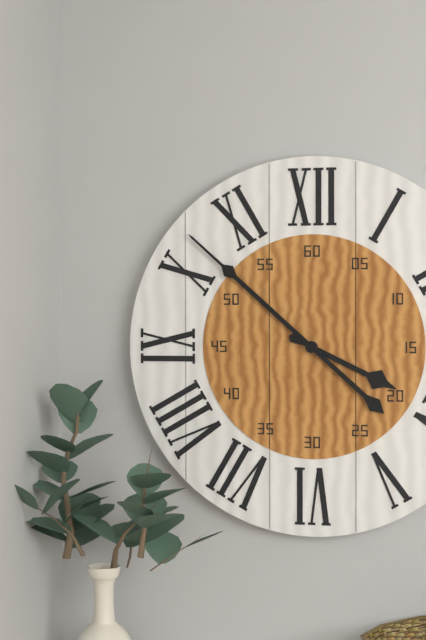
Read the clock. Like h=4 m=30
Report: h=3 m=52
